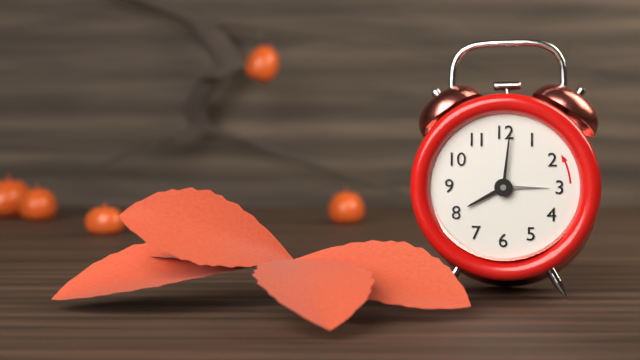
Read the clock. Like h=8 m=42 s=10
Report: h=8 m=1 s=15
